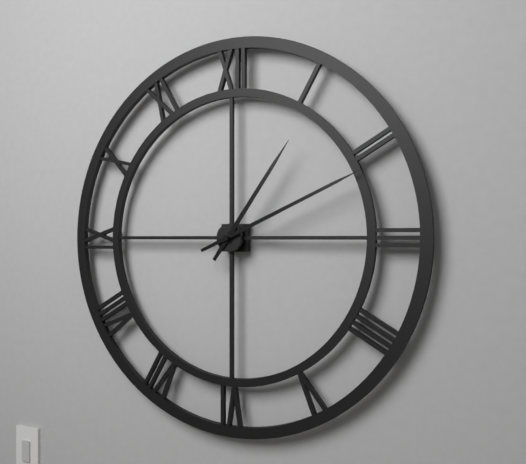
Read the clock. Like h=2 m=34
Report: h=1 m=11
